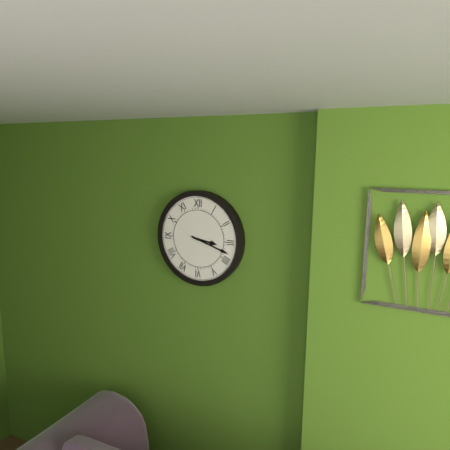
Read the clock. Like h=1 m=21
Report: h=3 m=18
